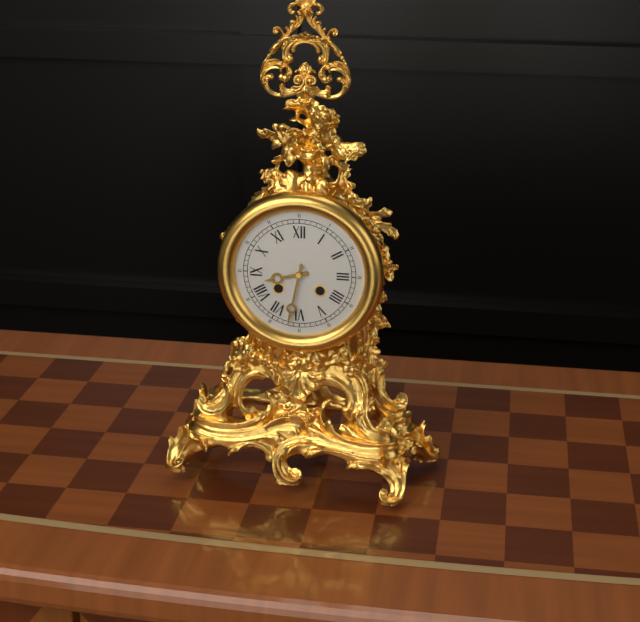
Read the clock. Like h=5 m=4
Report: h=8 m=32
